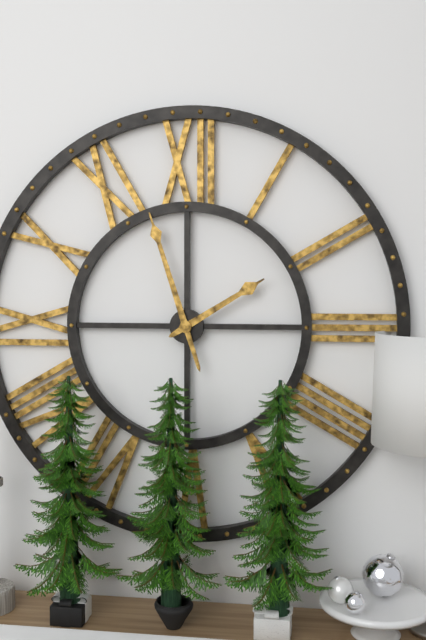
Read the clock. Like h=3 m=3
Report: h=1 m=57
